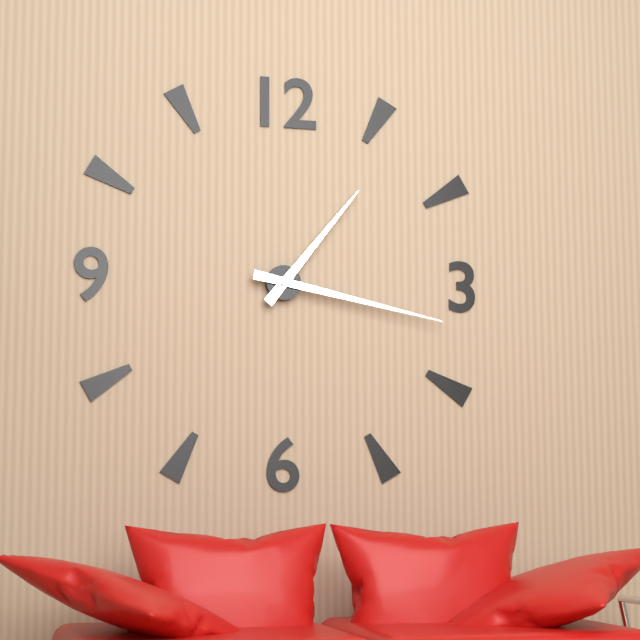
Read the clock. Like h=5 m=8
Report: h=1 m=17
